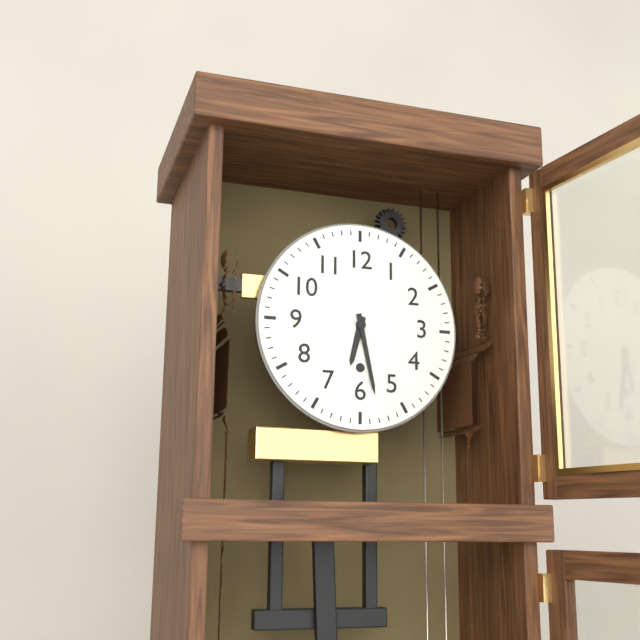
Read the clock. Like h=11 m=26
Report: h=6 m=28
